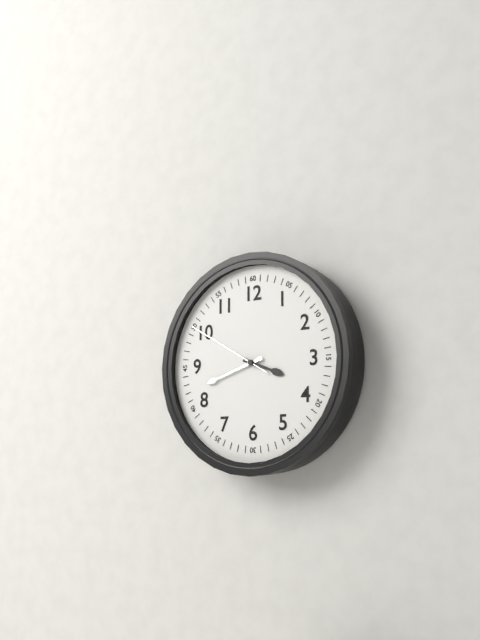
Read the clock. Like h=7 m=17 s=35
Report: h=3 m=42 s=50
